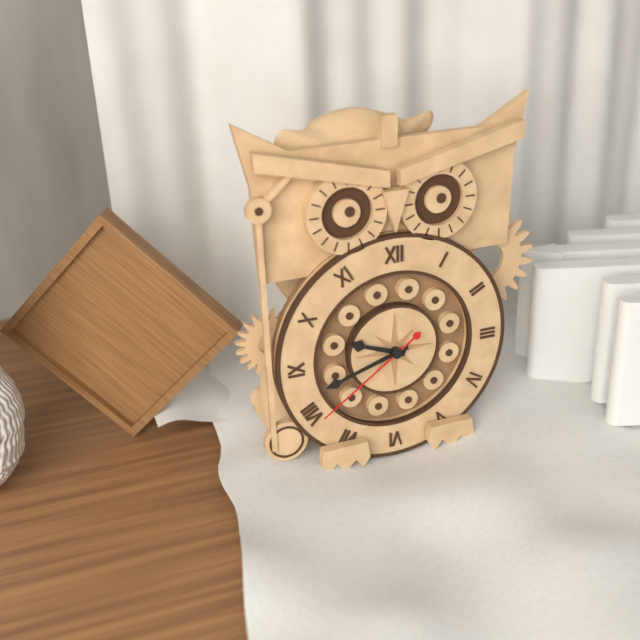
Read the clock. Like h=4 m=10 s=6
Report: h=9 m=42 s=39
